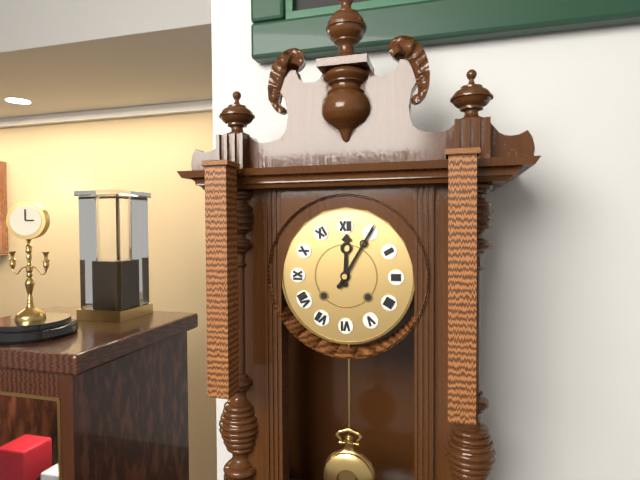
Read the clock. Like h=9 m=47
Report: h=12 m=5
